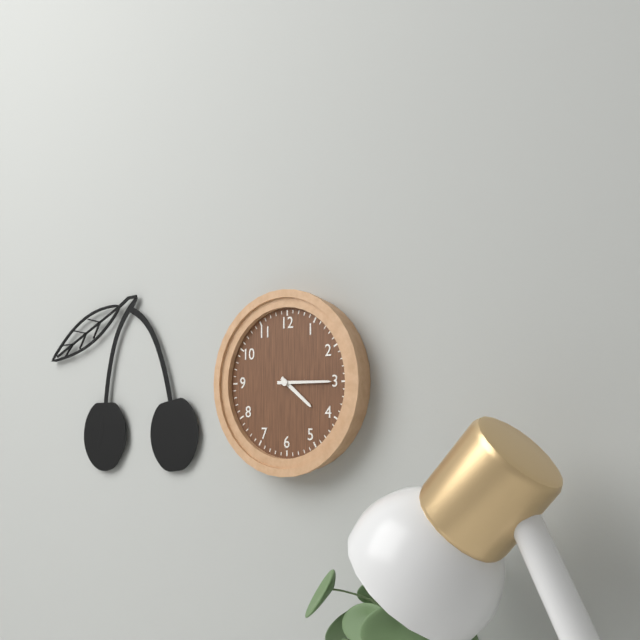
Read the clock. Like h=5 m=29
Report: h=4 m=15
